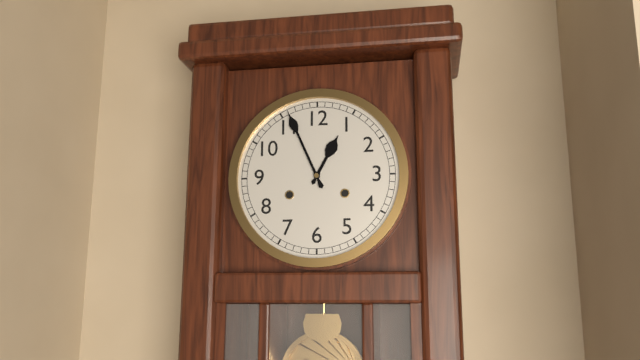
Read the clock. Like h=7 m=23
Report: h=12 m=56
